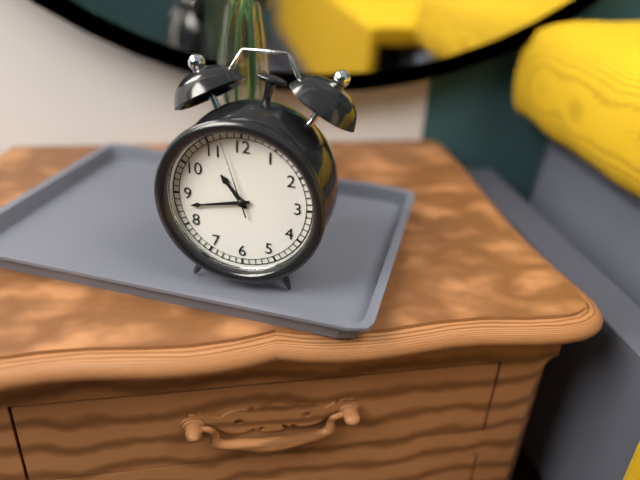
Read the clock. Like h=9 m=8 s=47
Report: h=10 m=43 s=57
